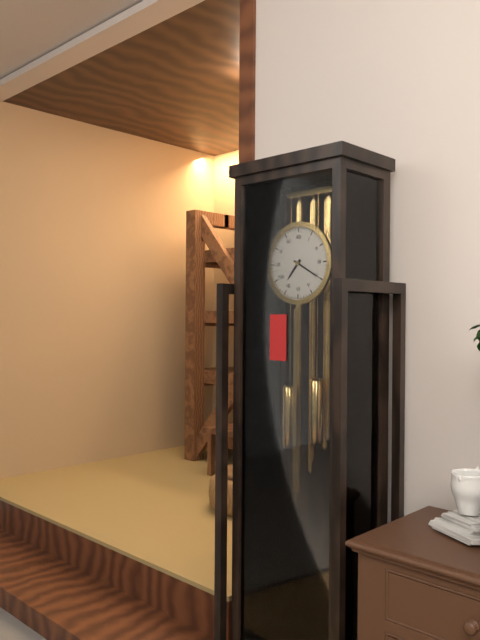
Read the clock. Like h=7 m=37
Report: h=7 m=20
